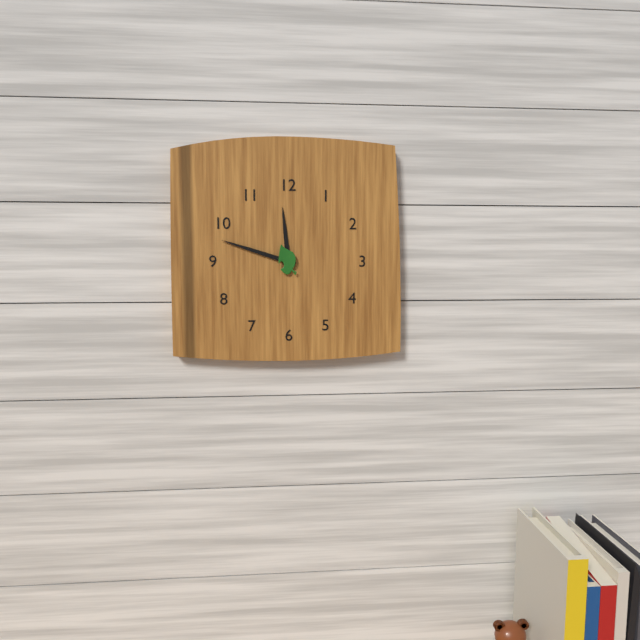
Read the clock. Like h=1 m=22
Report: h=11 m=48
